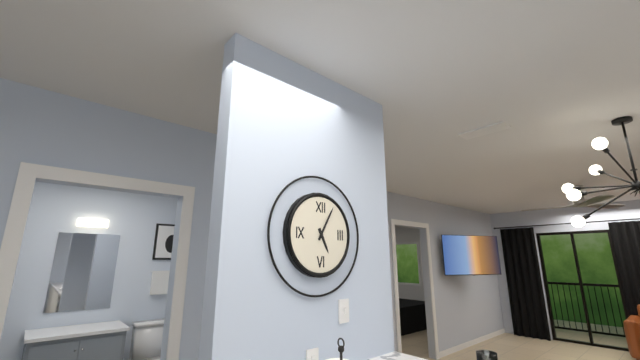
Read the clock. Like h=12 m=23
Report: h=5 m=5
